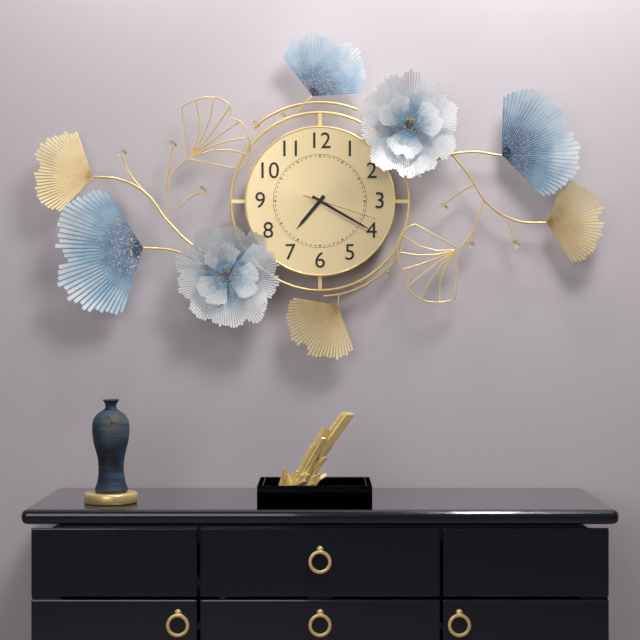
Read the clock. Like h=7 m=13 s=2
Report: h=7 m=20 s=18
